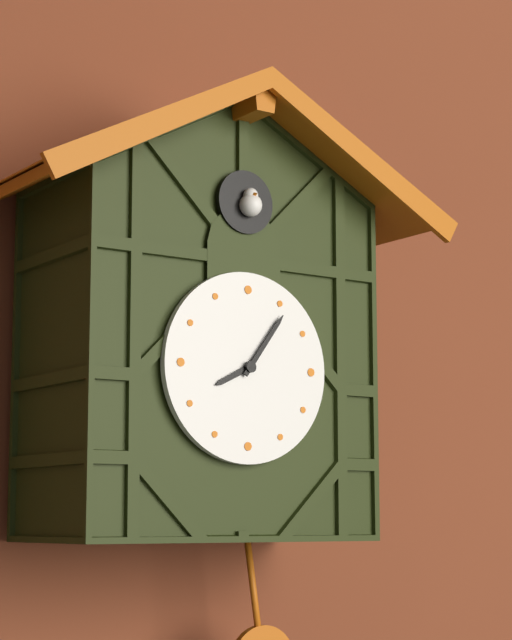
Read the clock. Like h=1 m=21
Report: h=8 m=6
